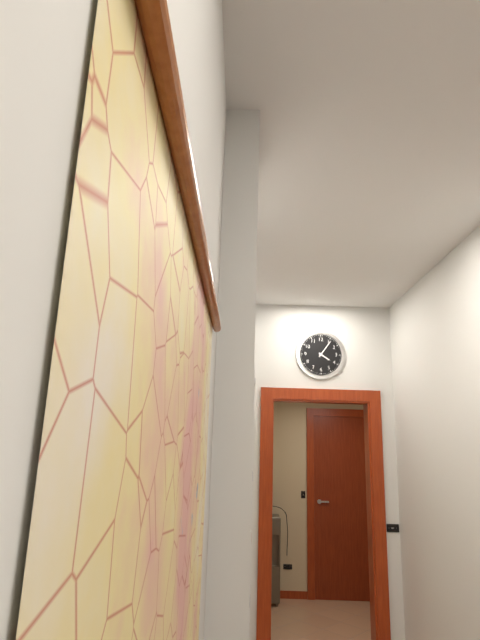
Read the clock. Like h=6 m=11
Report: h=4 m=6
